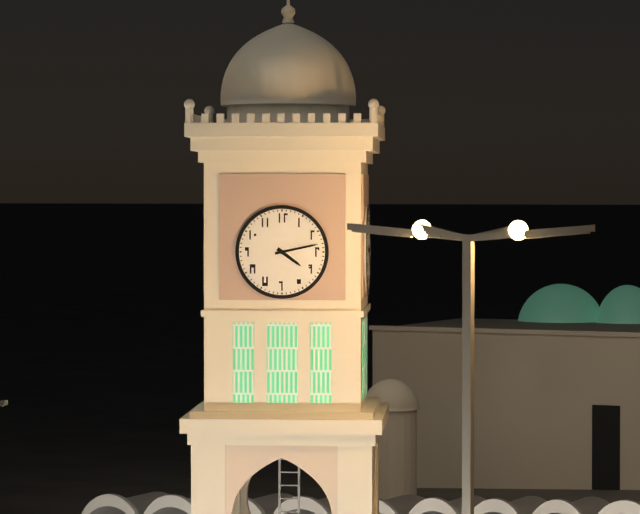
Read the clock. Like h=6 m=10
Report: h=4 m=13
